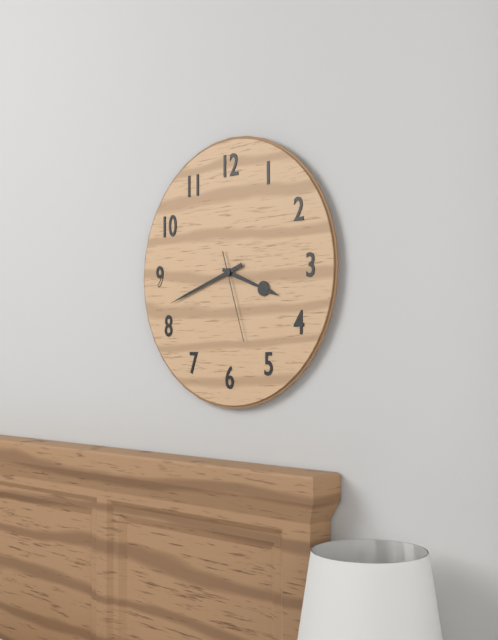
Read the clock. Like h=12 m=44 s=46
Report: h=3 m=42 s=27
